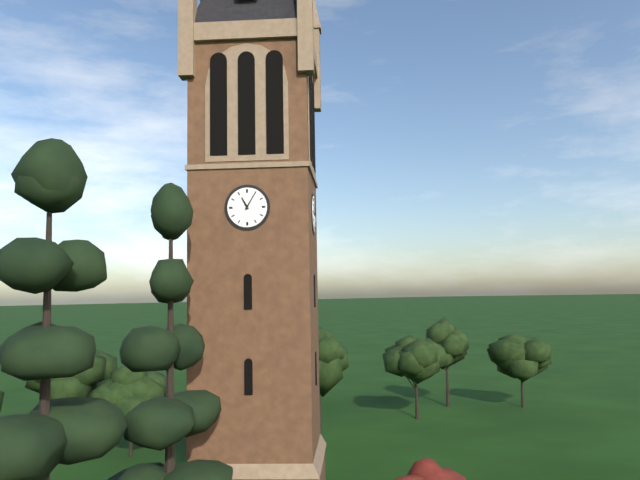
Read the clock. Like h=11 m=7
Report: h=11 m=5
